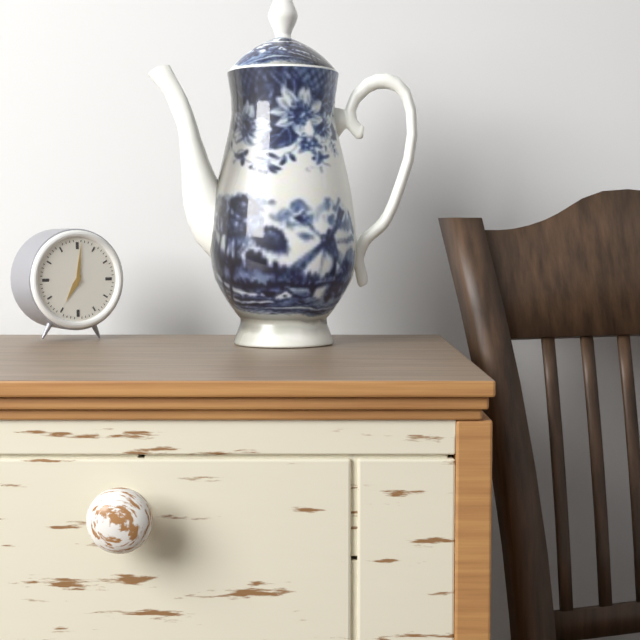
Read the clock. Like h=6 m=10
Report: h=7 m=1
